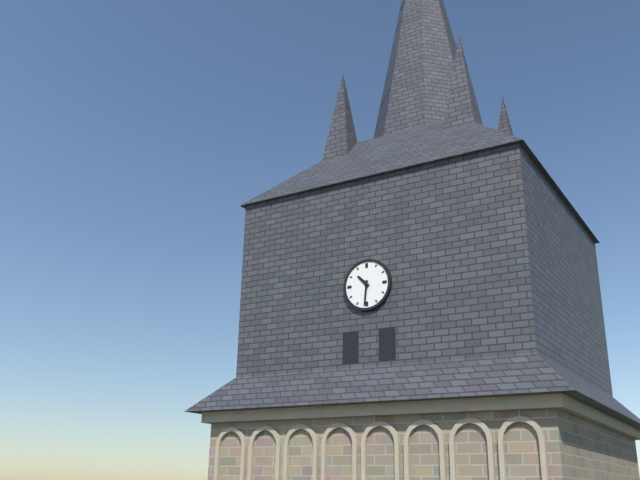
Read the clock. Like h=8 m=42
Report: h=10 m=31
